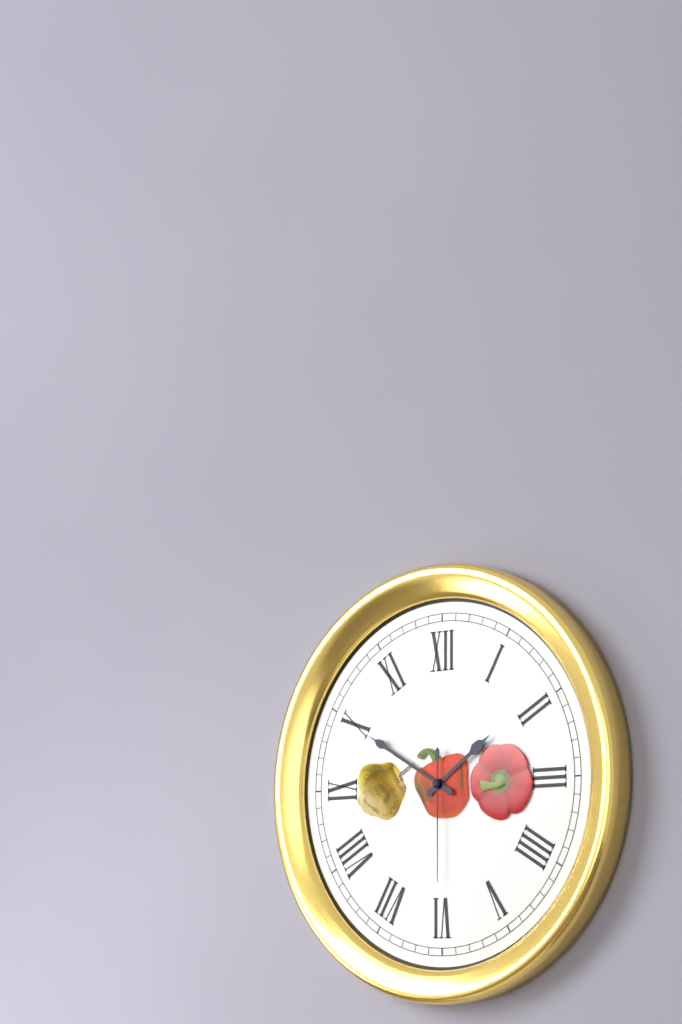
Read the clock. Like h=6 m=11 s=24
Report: h=1 m=50 s=30
